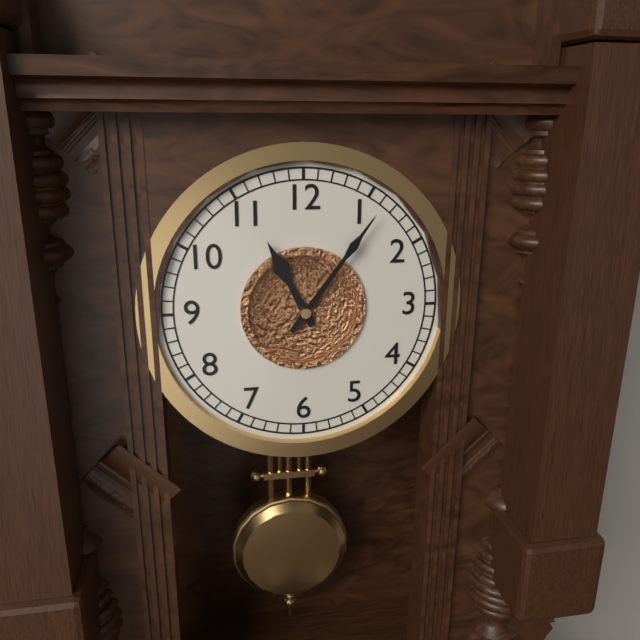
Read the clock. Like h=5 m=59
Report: h=11 m=6
